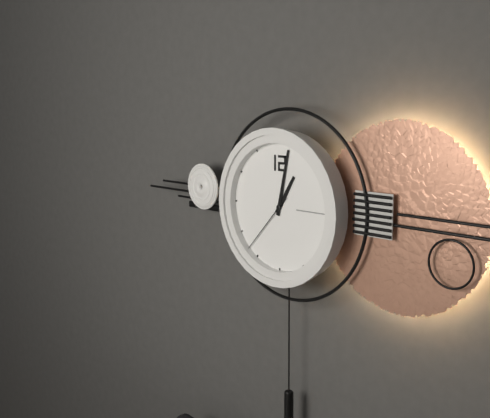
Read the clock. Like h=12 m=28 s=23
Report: h=1 m=2 s=37
